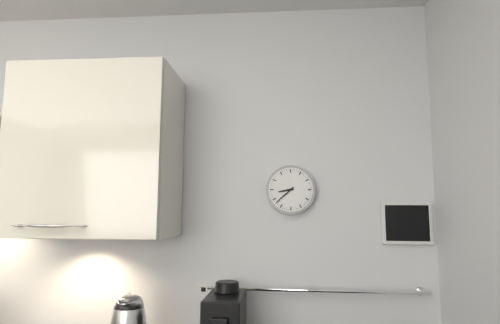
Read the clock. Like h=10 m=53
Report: h=8 m=38
